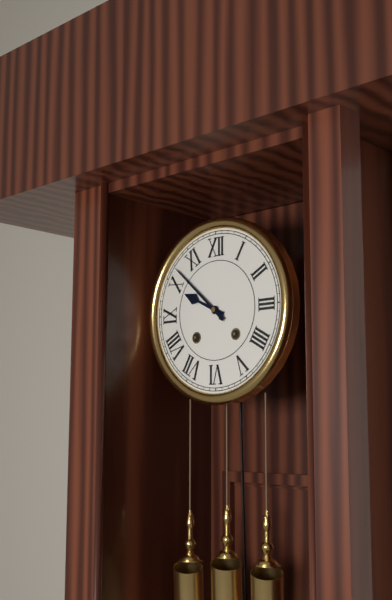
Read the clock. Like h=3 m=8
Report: h=9 m=52
